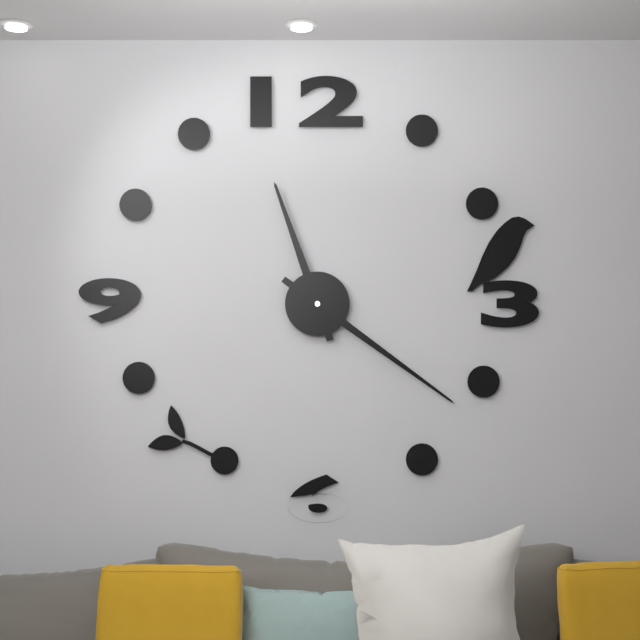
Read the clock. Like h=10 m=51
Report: h=11 m=21
